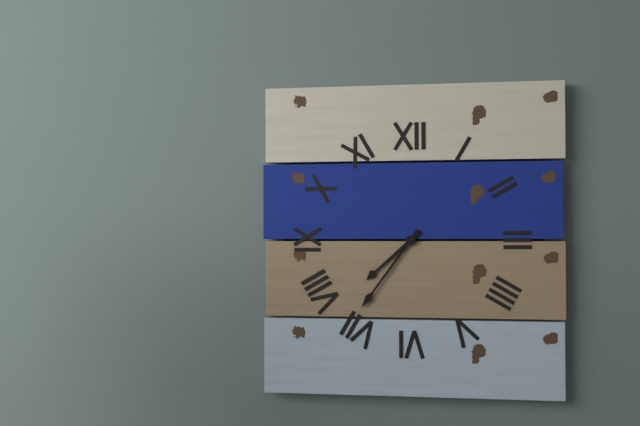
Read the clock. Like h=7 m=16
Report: h=7 m=36
